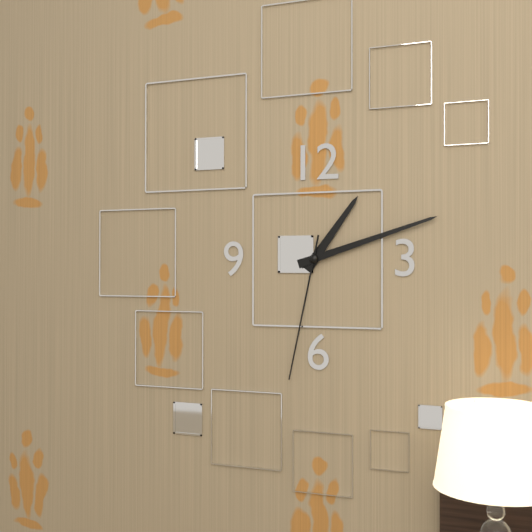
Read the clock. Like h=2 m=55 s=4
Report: h=1 m=12 s=32
